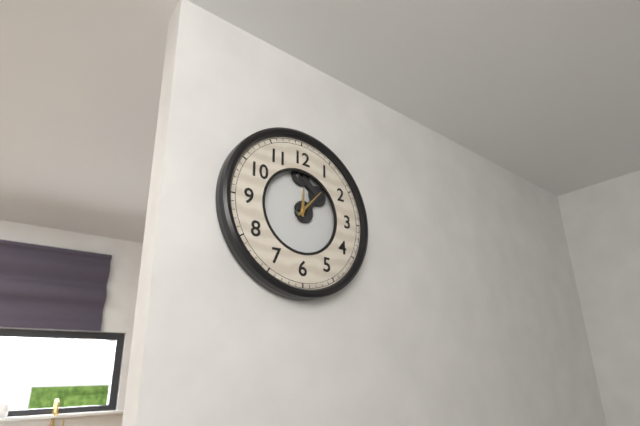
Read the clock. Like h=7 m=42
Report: h=12 m=7
